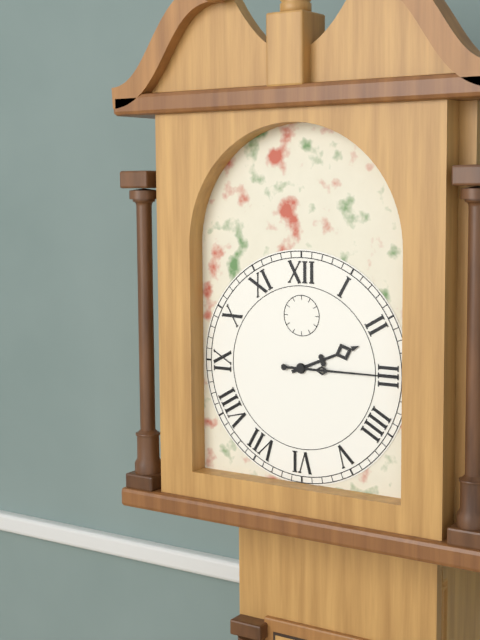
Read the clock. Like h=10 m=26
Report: h=2 m=15
